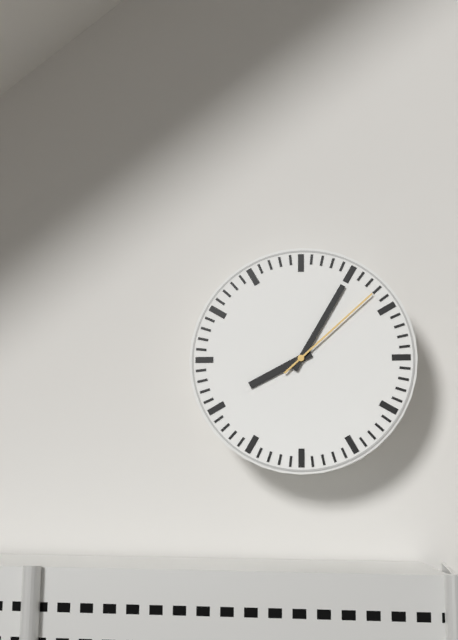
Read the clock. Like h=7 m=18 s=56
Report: h=8 m=5 s=8
